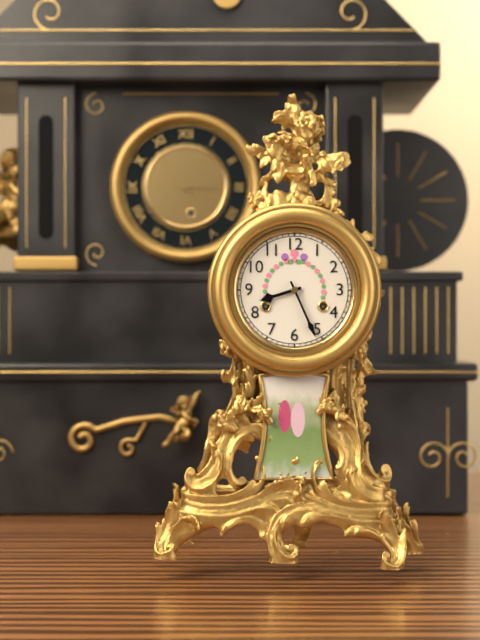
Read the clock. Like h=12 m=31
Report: h=8 m=26
